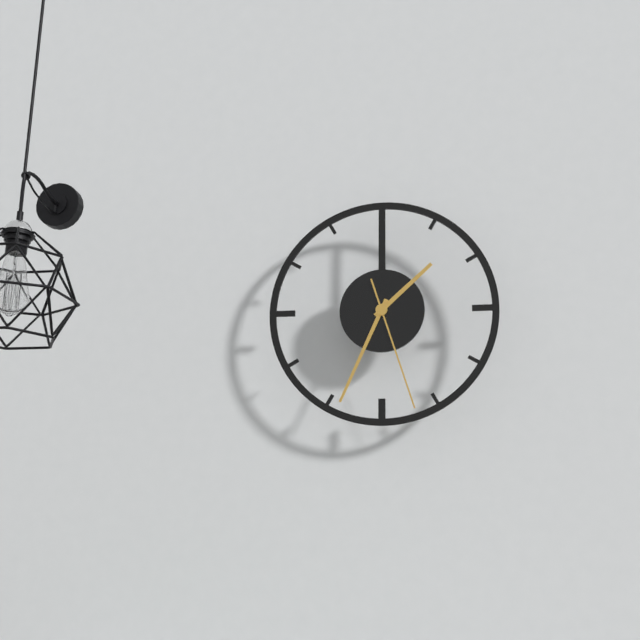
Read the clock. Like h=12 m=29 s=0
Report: h=1 m=34 s=27
